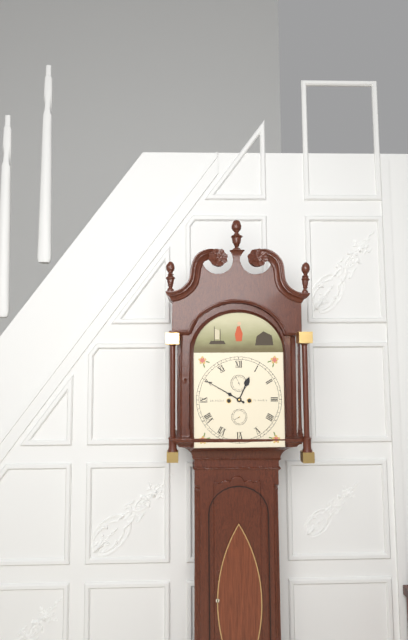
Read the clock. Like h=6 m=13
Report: h=12 m=50
